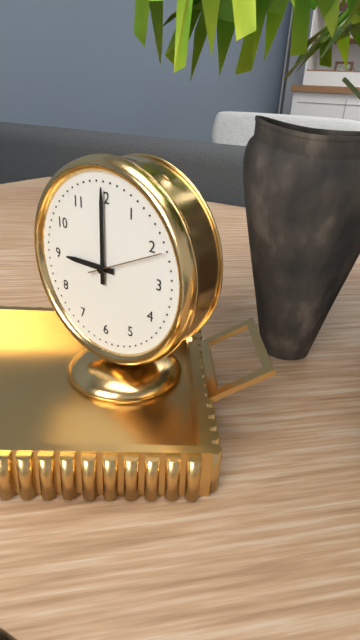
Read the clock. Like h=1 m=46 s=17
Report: h=9 m=0 s=11
